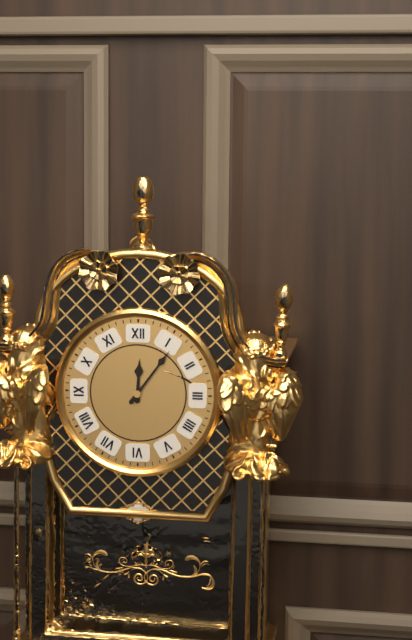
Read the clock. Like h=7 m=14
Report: h=12 m=6
